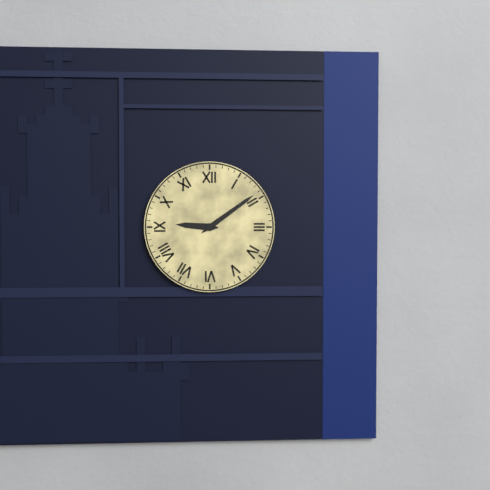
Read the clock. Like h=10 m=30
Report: h=9 m=9
